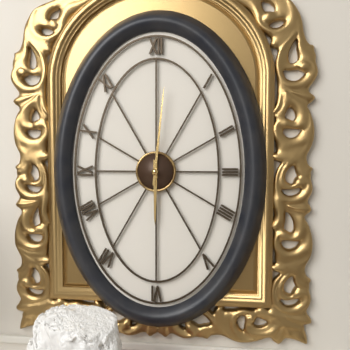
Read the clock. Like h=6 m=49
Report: h=6 m=1
